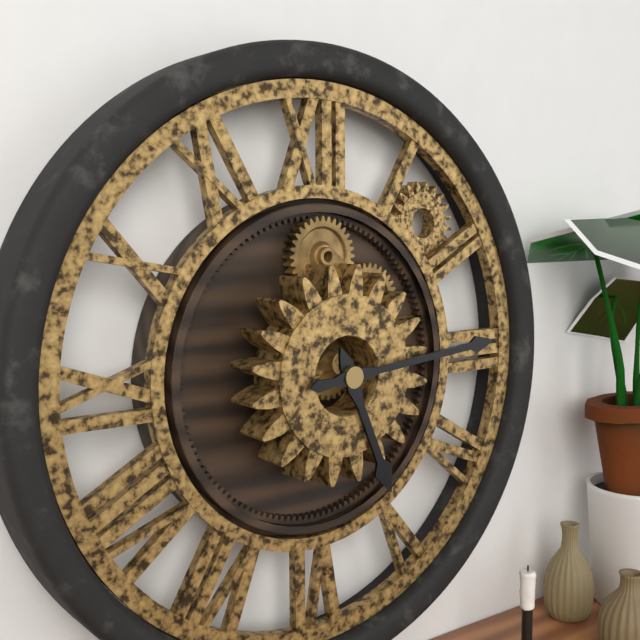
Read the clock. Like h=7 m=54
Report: h=5 m=14
